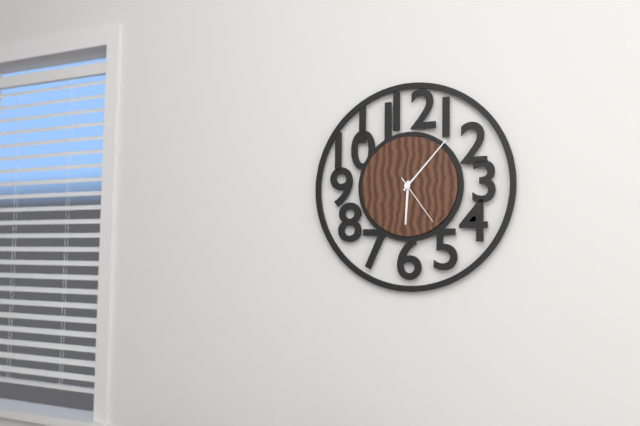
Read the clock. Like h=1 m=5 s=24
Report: h=6 m=7 s=24
